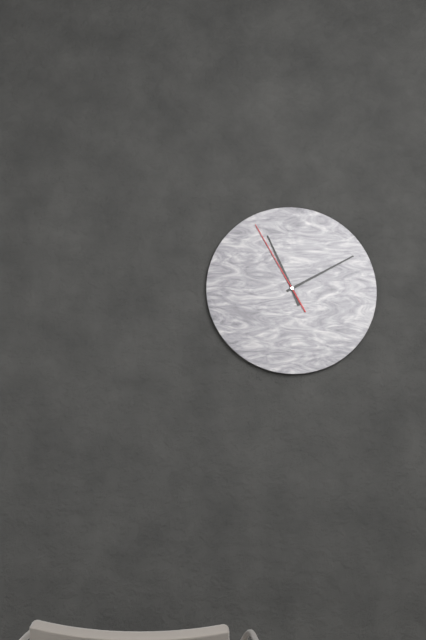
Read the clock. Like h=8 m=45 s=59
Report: h=11 m=10 s=55
